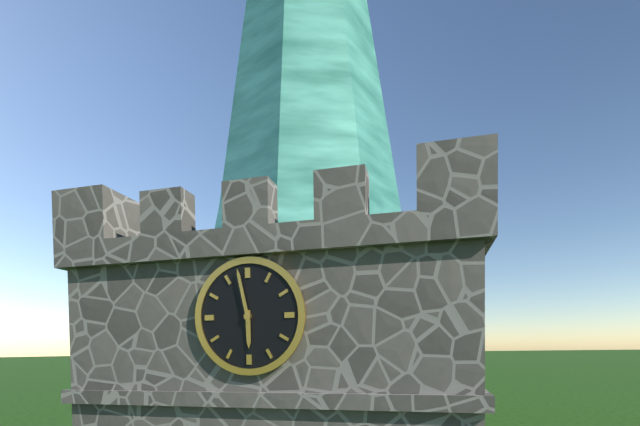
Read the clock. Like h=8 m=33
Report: h=5 m=58
